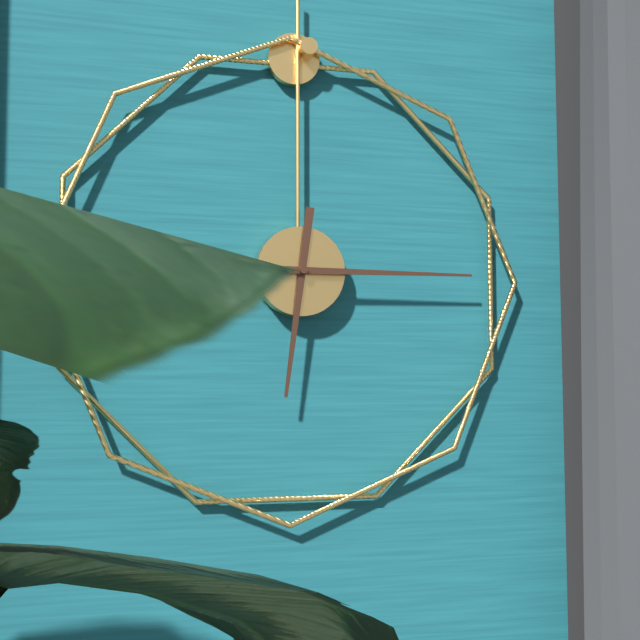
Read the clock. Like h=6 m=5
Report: h=6 m=15
